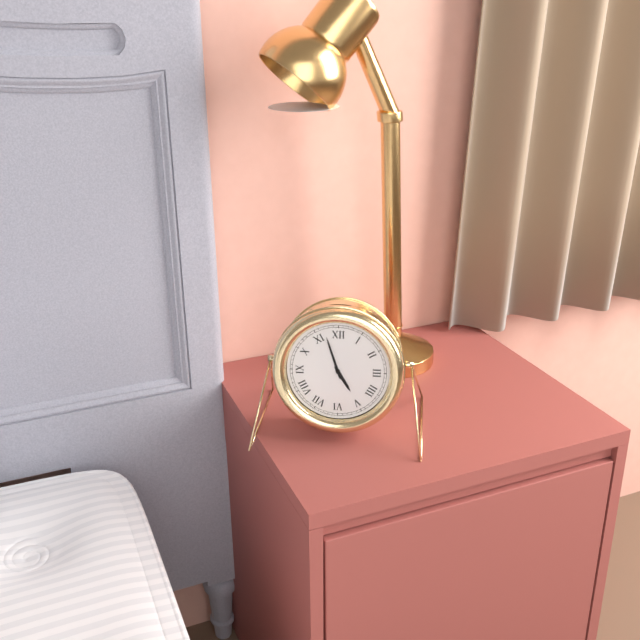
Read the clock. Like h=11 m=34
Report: h=4 m=57
